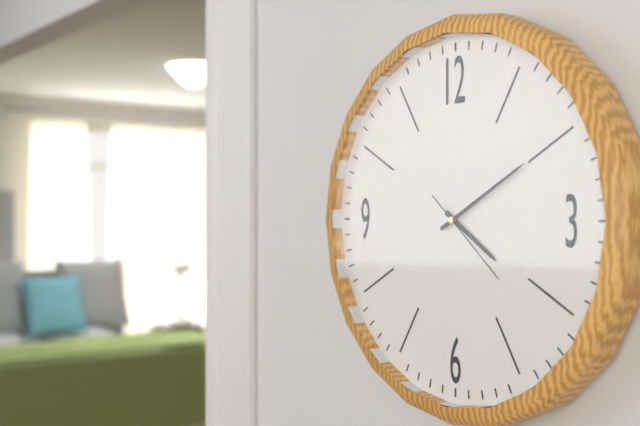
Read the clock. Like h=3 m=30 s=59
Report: h=4 m=10 s=22
